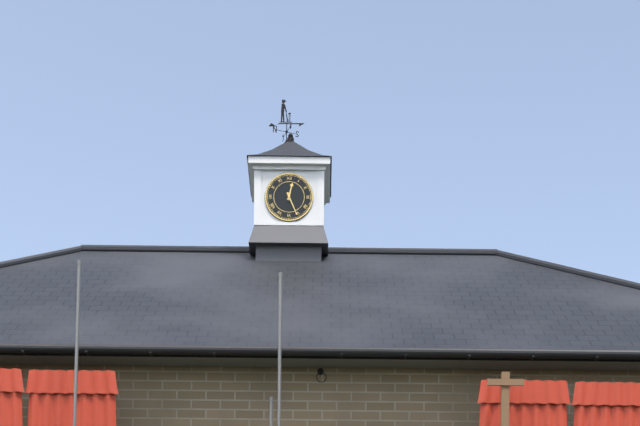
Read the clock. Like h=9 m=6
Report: h=12 m=26
